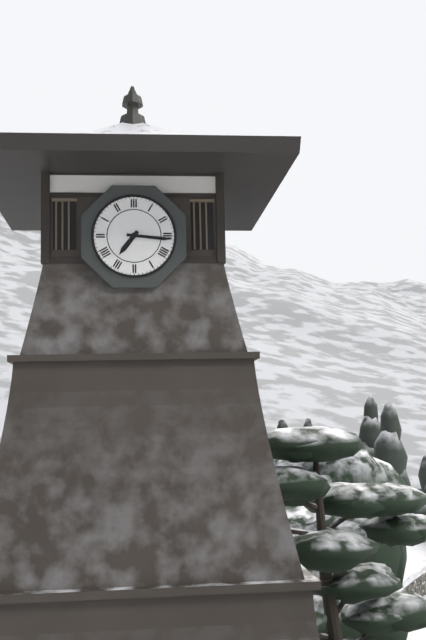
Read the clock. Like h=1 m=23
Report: h=7 m=16
